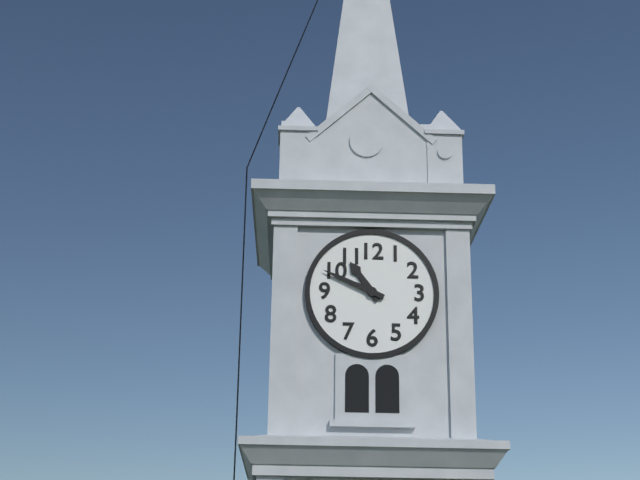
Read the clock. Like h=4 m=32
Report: h=10 m=49
